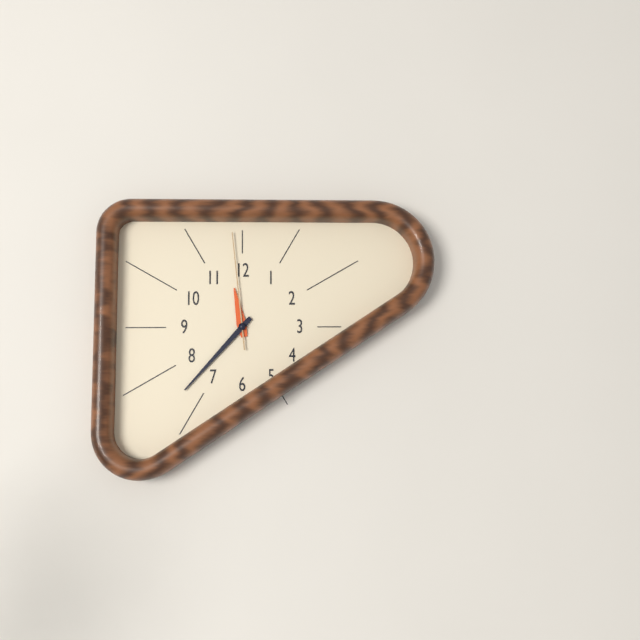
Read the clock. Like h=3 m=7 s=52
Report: h=11 m=37 s=59
